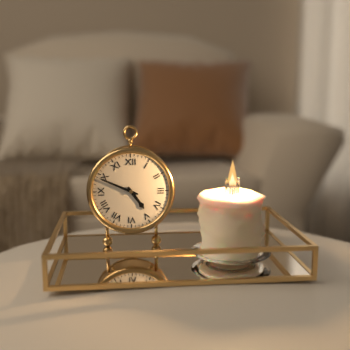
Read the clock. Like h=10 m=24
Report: h=4 m=49
